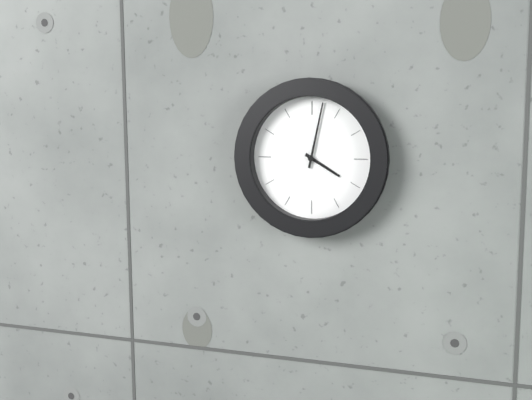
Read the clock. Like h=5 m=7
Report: h=4 m=2
